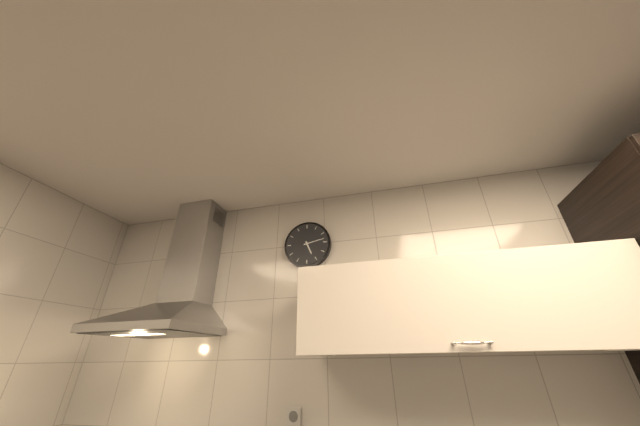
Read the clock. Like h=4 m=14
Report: h=5 m=13
